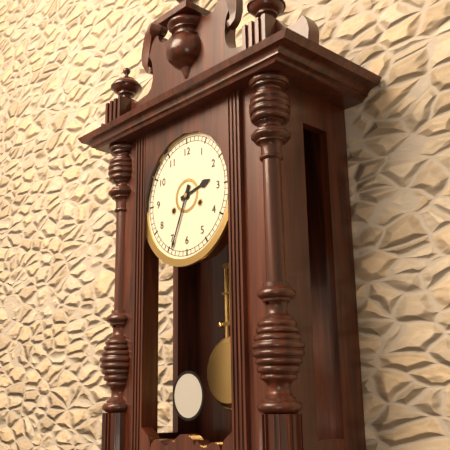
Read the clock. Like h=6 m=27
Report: h=2 m=34
